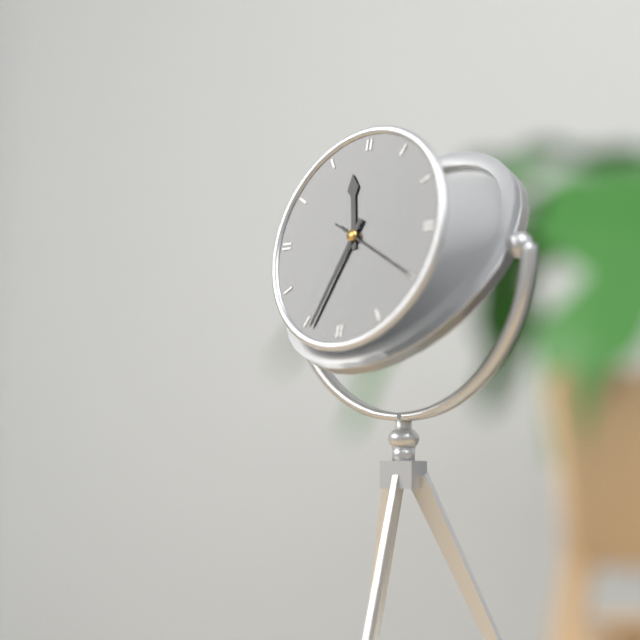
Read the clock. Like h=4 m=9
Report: h=11 m=34
